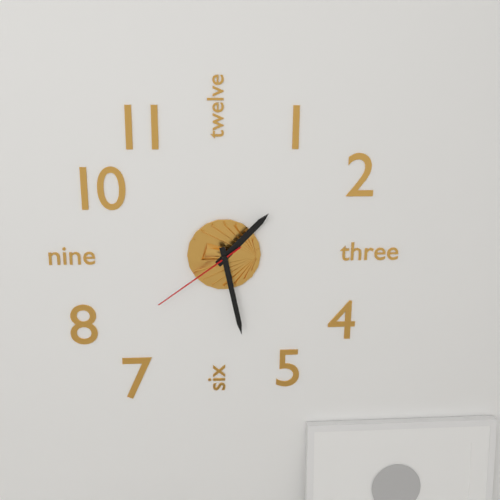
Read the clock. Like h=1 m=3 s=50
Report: h=1 m=28 s=39
